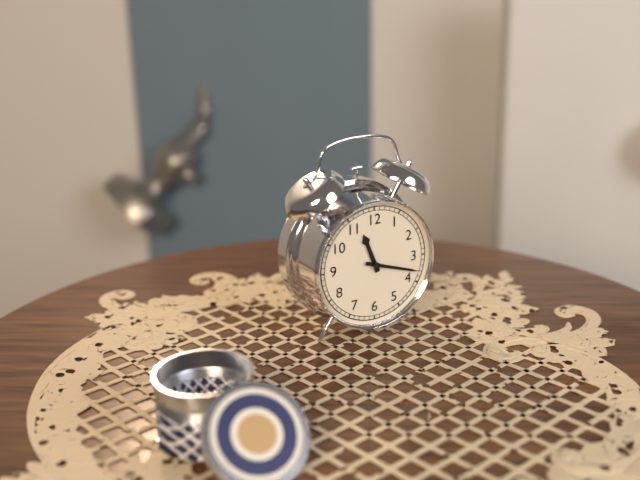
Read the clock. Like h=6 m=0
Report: h=11 m=18
